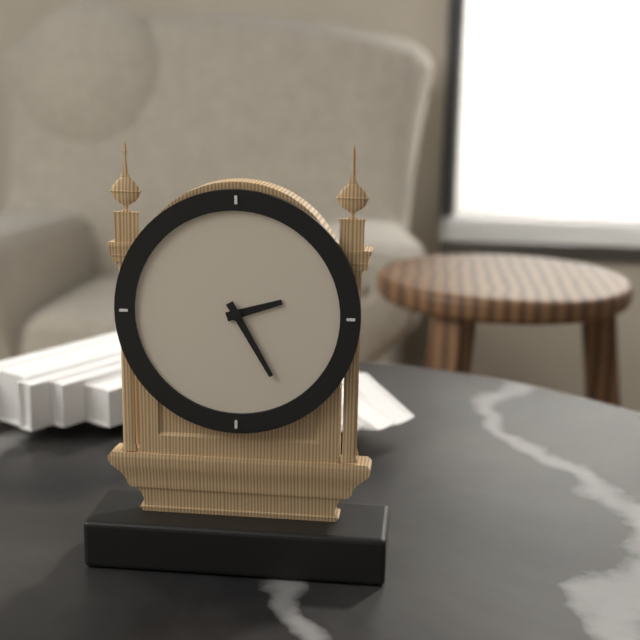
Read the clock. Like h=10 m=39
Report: h=2 m=25
